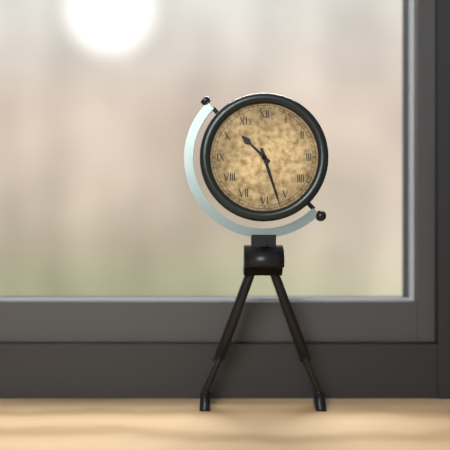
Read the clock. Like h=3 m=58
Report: h=10 m=27
